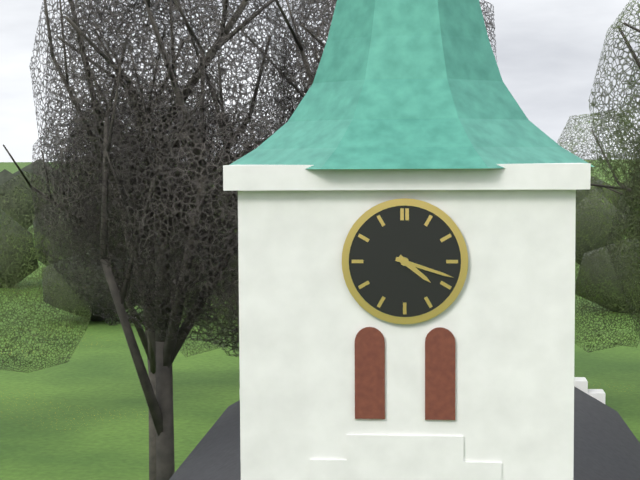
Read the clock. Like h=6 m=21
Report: h=4 m=18
